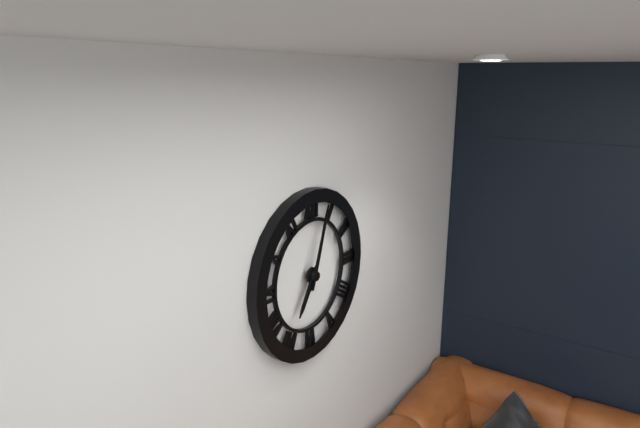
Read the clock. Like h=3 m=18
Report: h=7 m=3
